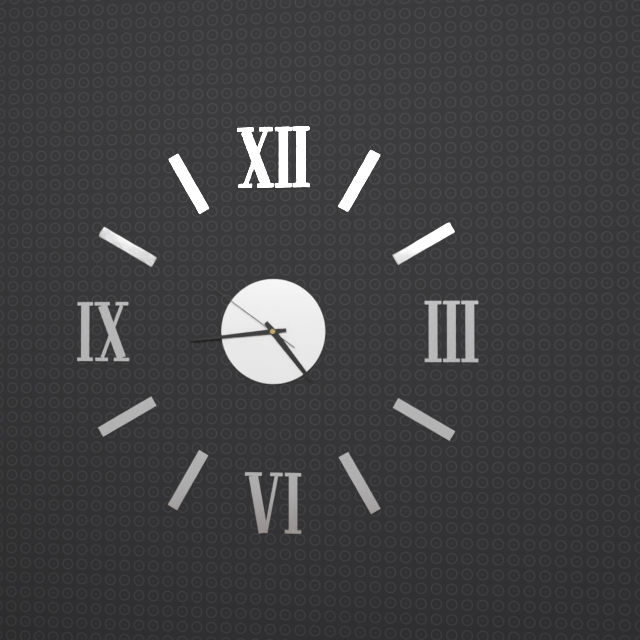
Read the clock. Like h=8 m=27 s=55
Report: h=4 m=44 s=51
